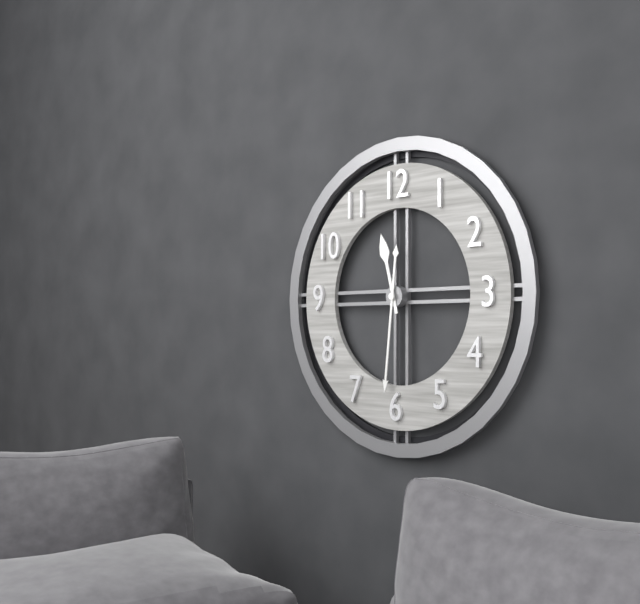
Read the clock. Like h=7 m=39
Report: h=11 m=31
